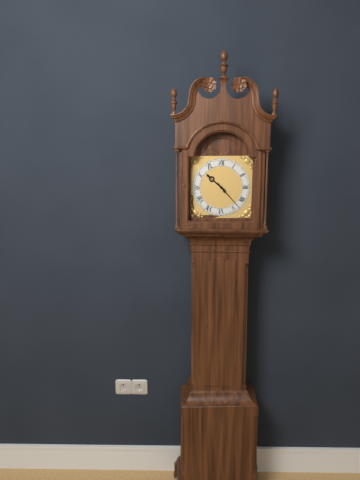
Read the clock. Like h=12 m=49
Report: h=10 m=23
